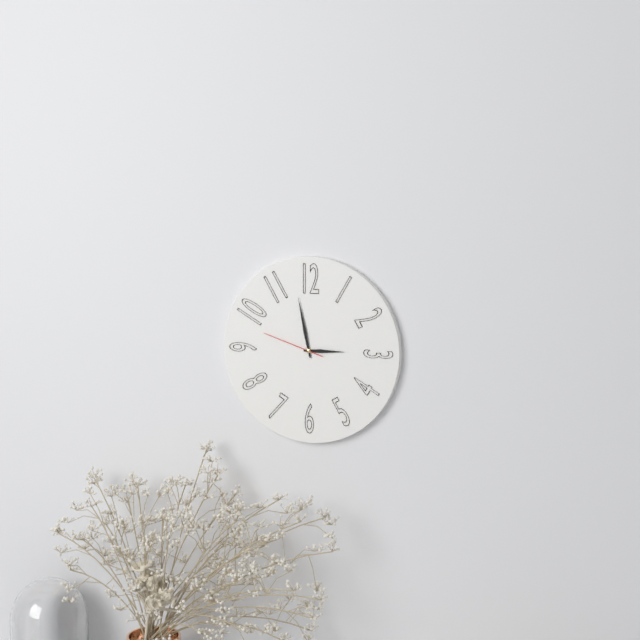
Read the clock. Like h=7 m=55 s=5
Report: h=2 m=58 s=48
